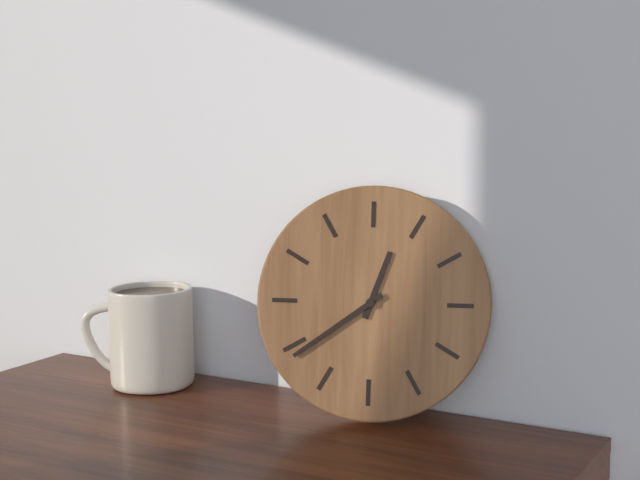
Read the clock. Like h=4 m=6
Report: h=12 m=39
